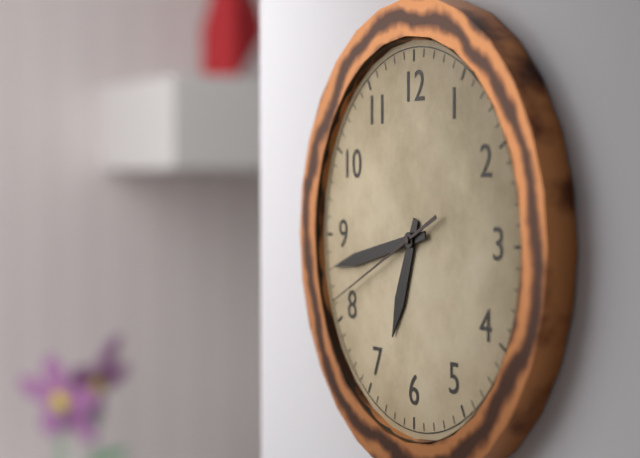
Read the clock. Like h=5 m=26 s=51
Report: h=6 m=43 s=41
